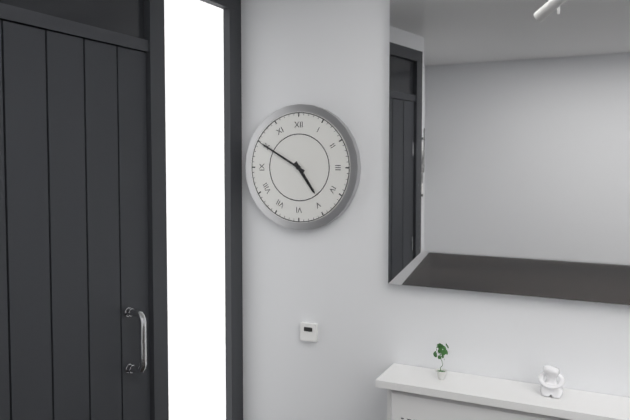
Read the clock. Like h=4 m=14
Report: h=4 m=50
